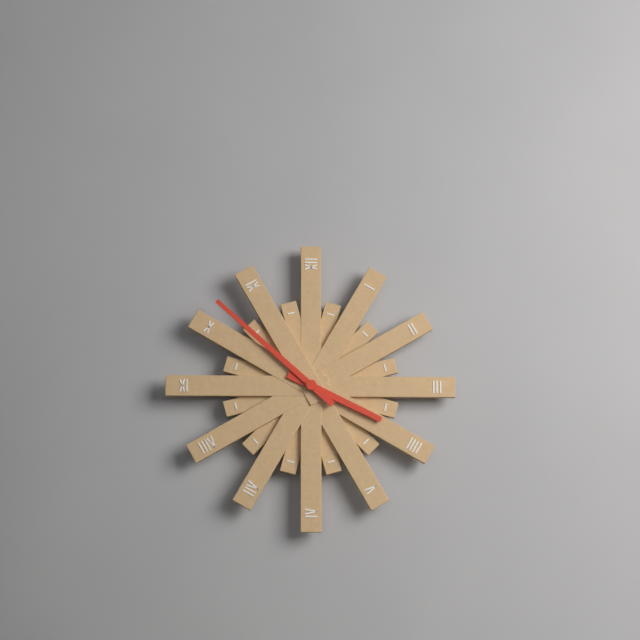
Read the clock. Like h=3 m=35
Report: h=3 m=52
